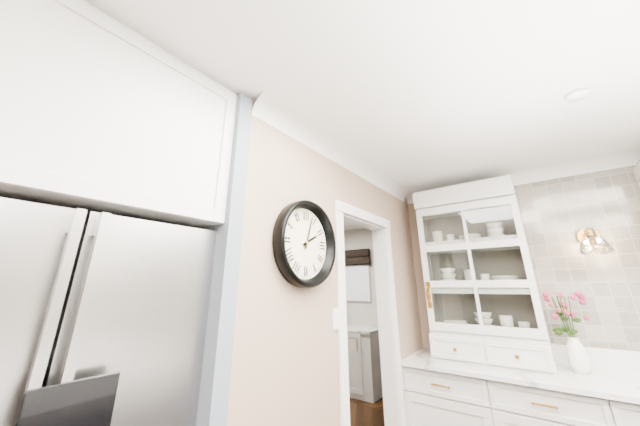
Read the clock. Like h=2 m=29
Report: h=2 m=3
